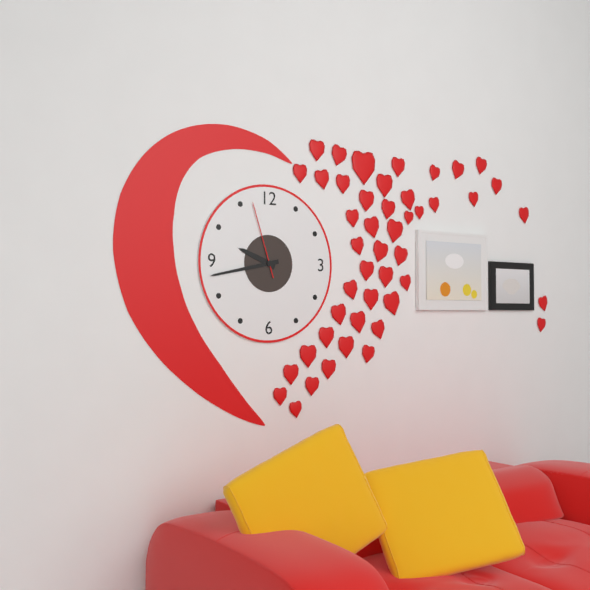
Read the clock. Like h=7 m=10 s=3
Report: h=9 m=43 s=57
